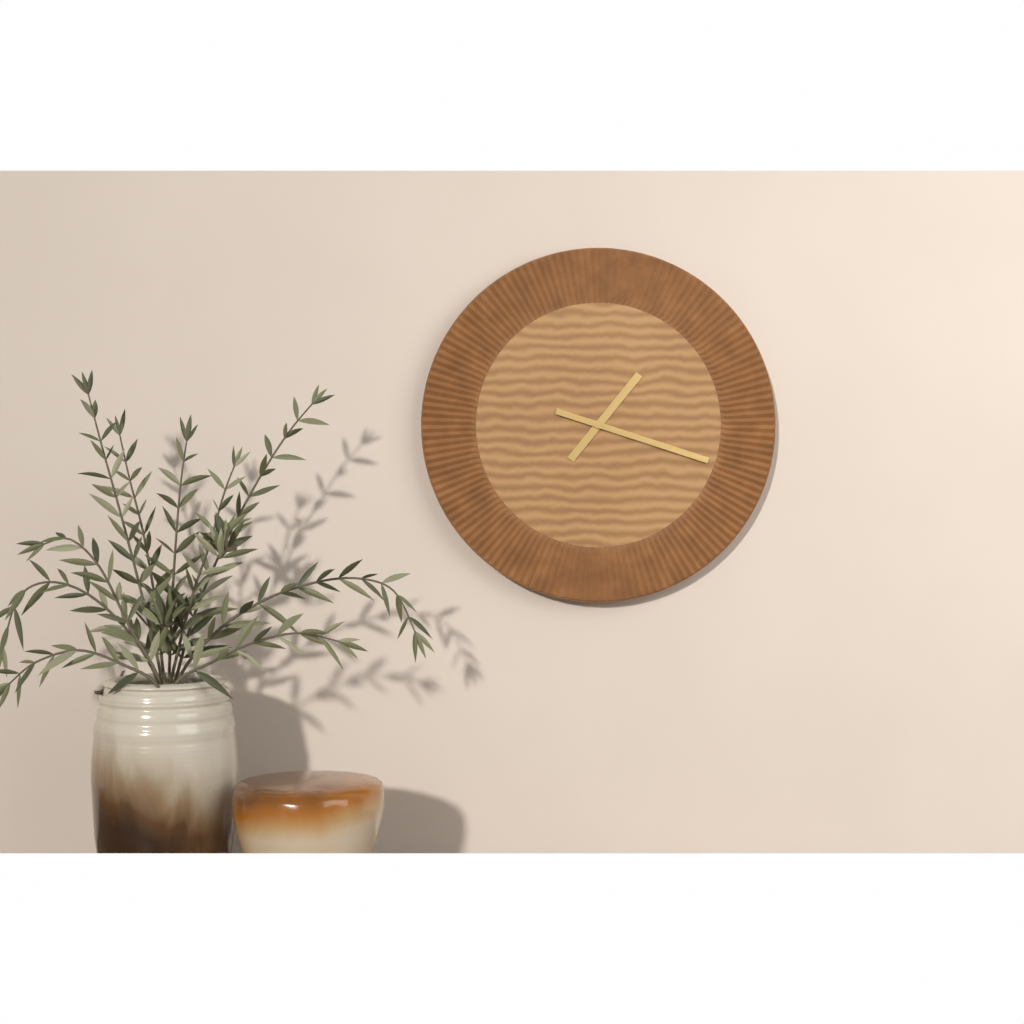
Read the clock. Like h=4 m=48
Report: h=1 m=18
